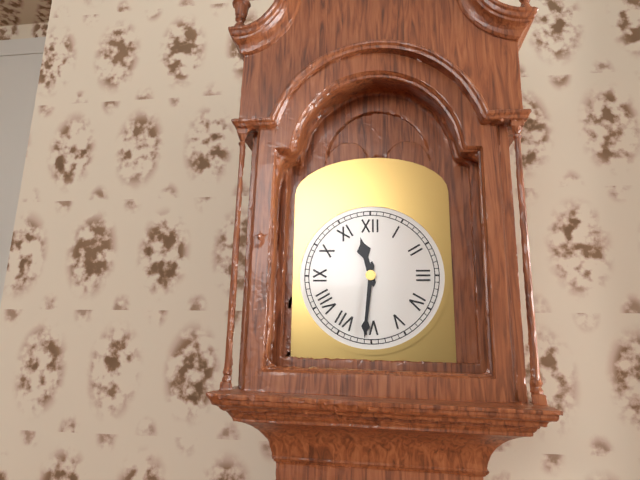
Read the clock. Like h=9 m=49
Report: h=11 m=31
